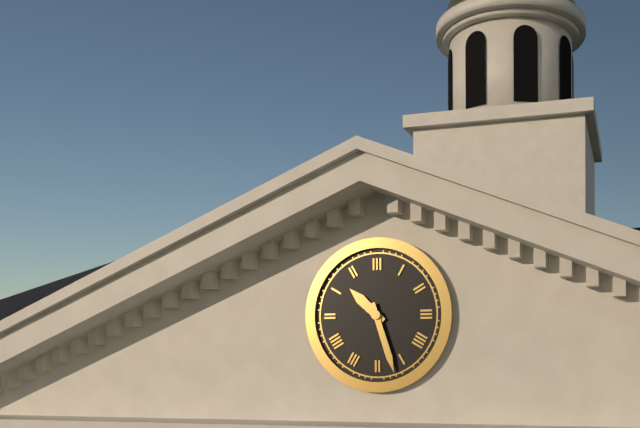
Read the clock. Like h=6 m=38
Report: h=10 m=27
